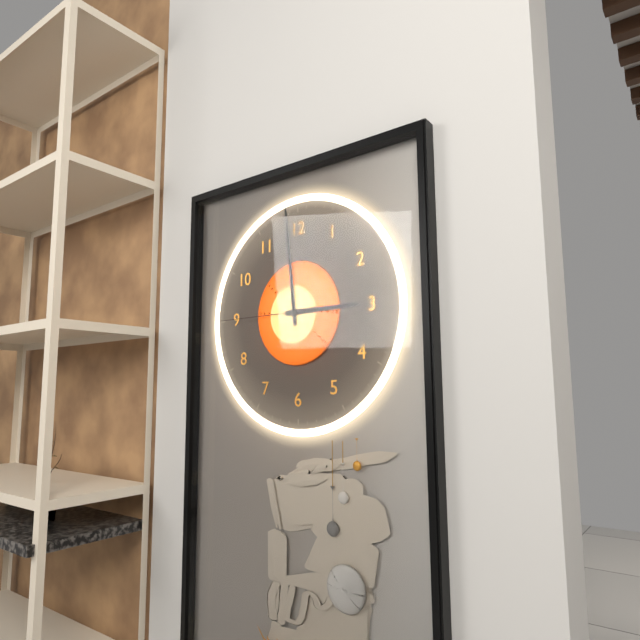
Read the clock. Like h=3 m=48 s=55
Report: h=2 m=59 s=45
